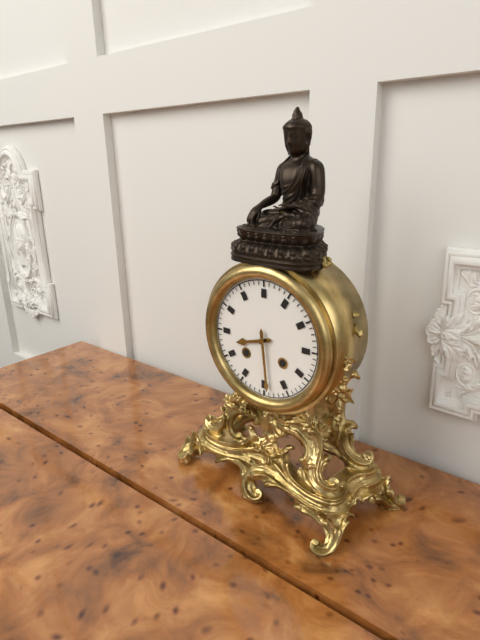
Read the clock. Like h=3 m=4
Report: h=8 m=29
